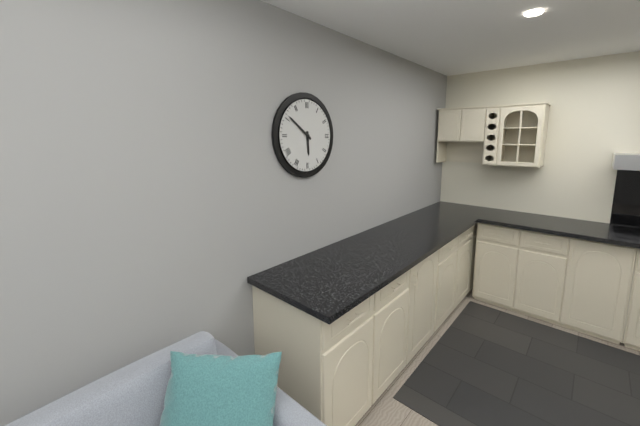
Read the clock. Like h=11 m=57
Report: h=5 m=51
